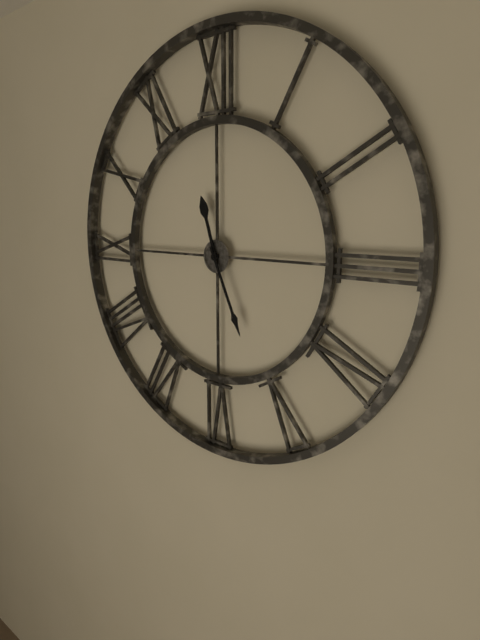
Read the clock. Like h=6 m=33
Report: h=11 m=26
